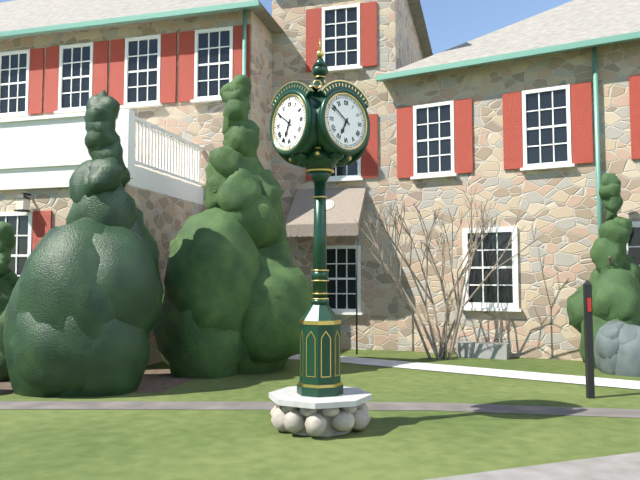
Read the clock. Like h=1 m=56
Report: h=6 m=51
